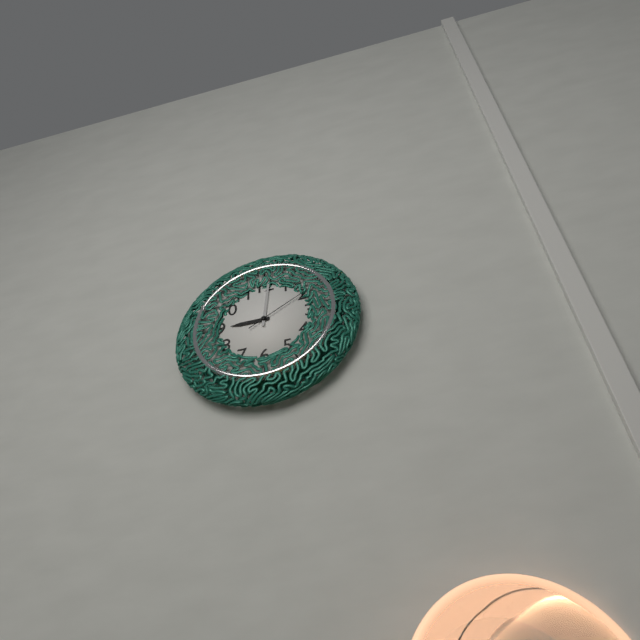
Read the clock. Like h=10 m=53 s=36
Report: h=9 m=1 s=10
